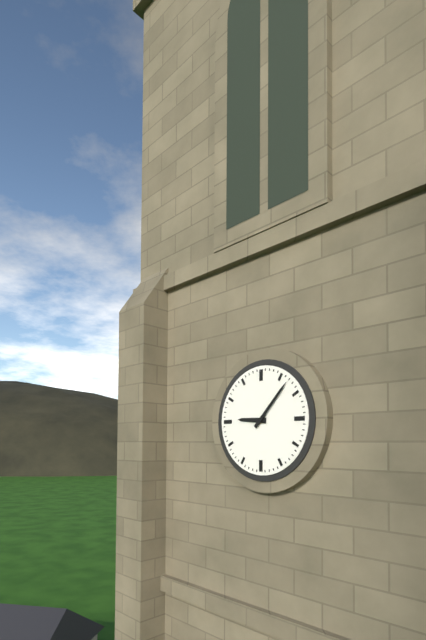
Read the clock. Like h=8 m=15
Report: h=9 m=7
